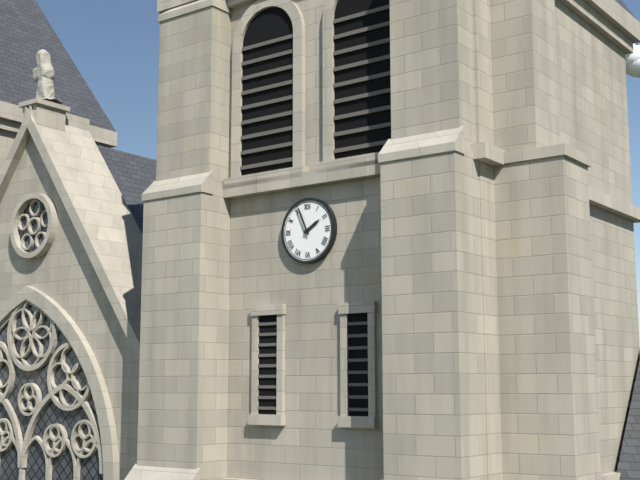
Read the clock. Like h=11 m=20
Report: h=1 m=56
